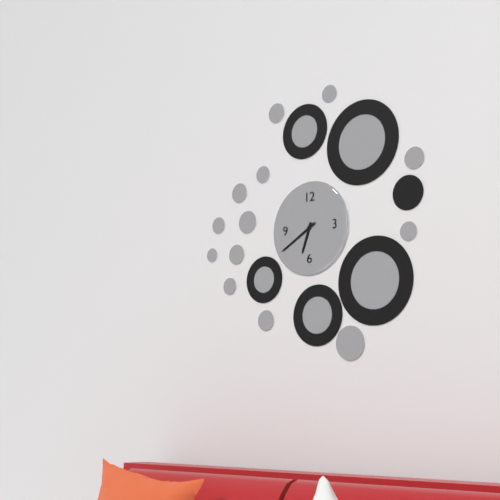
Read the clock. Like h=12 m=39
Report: h=6 m=40
